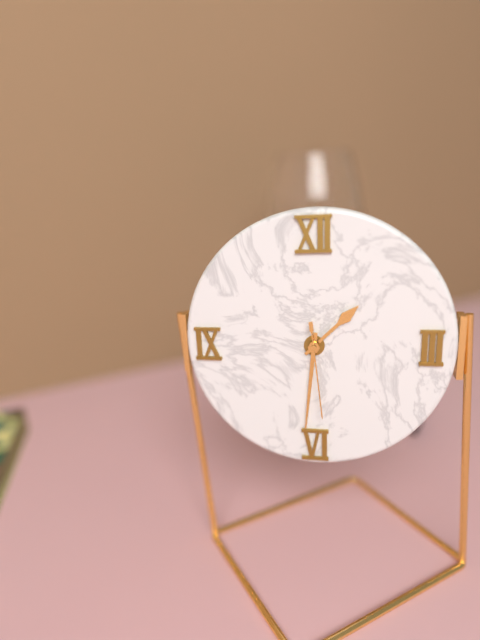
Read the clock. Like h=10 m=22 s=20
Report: h=1 m=31 s=29
